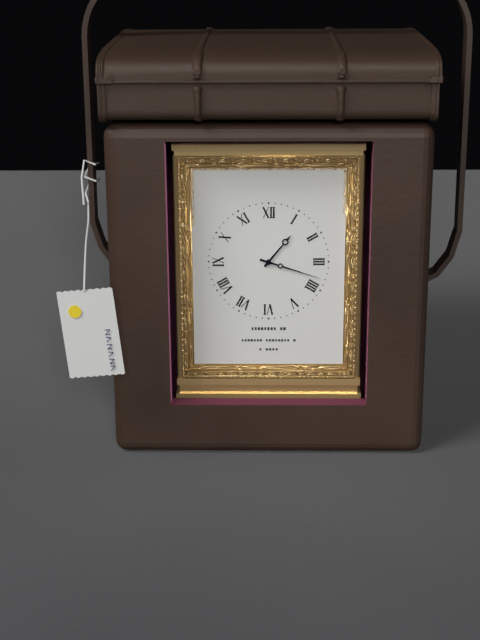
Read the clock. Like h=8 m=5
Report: h=1 m=18
